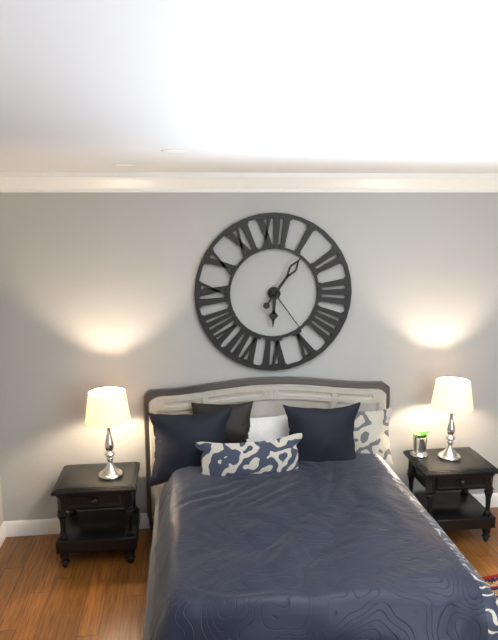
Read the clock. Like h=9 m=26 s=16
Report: h=6 m=6 s=24
